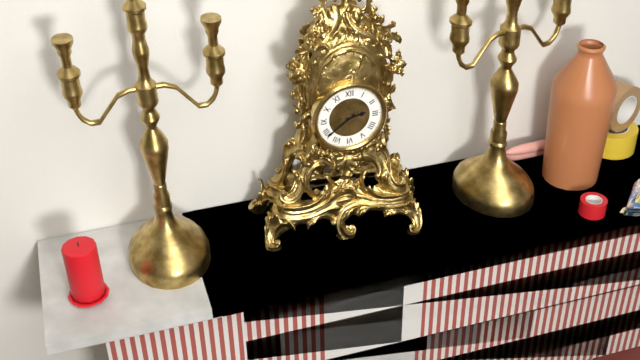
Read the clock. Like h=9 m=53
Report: h=2 m=39
